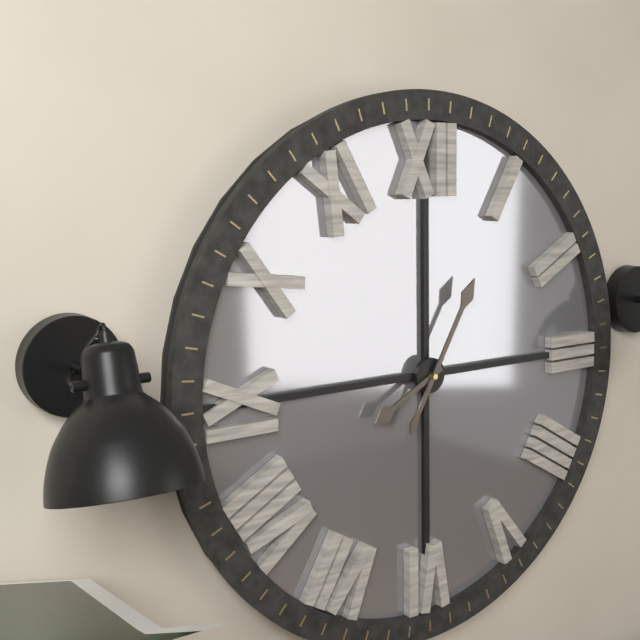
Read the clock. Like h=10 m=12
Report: h=8 m=5
